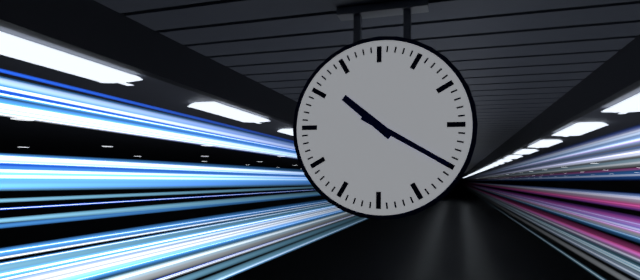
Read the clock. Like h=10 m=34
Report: h=10 m=20
